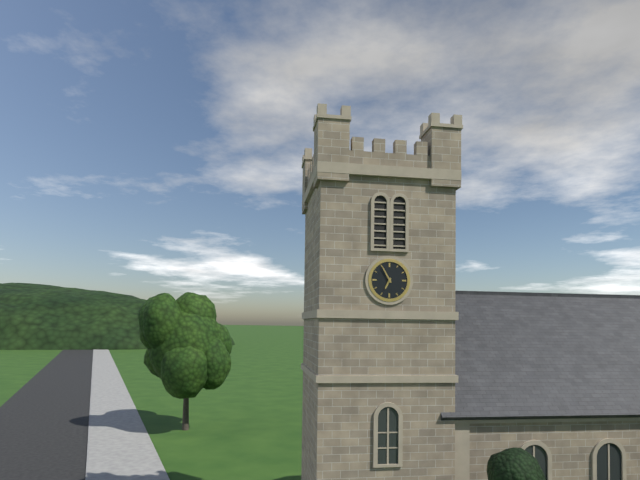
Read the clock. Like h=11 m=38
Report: h=6 m=55
